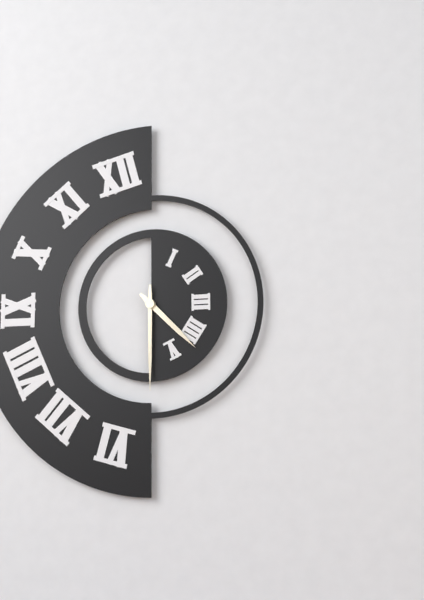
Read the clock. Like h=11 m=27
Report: h=4 m=30
